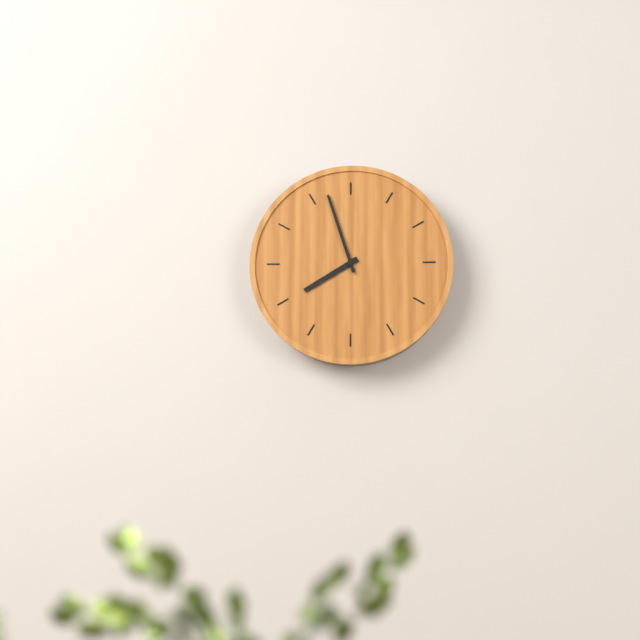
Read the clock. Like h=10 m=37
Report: h=7 m=57
